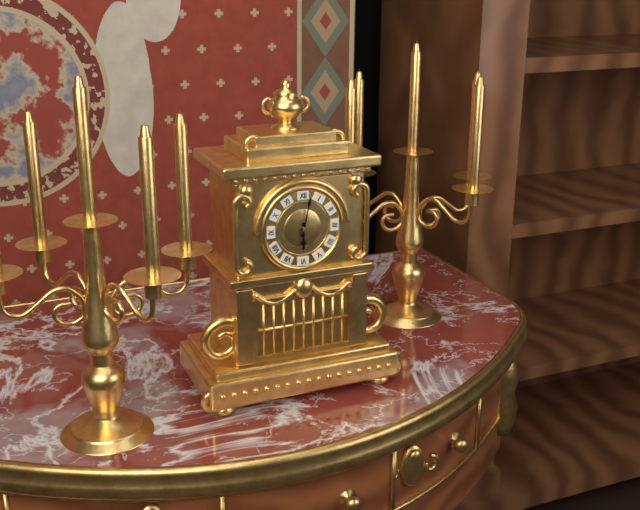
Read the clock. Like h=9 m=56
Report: h=6 m=2
